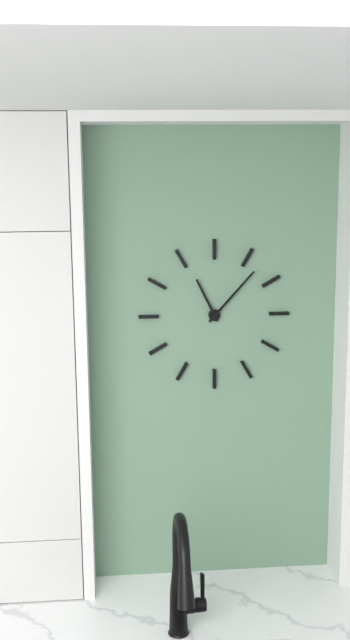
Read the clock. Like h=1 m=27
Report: h=11 m=7
